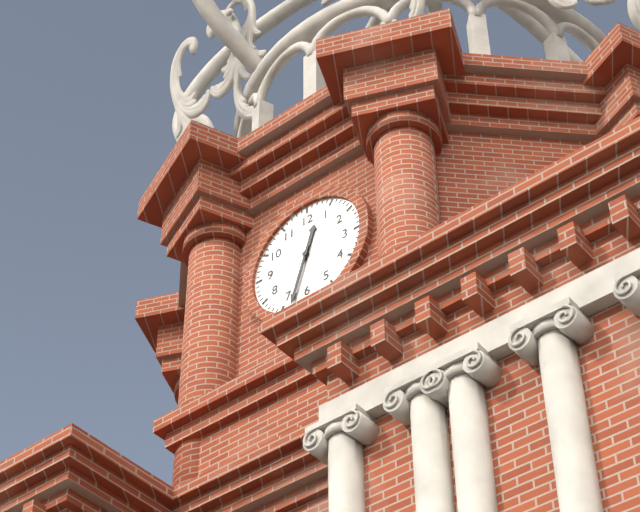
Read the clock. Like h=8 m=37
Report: h=12 m=33
